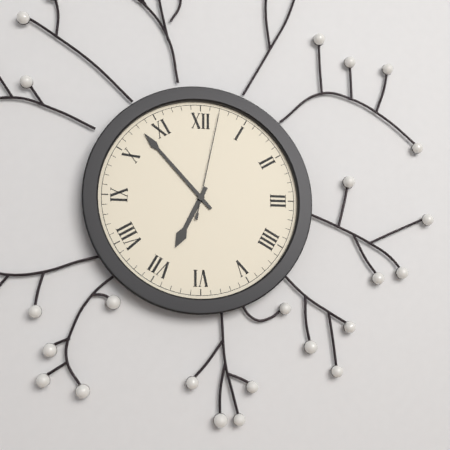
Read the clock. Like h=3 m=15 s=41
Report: h=6 m=53 s=2
